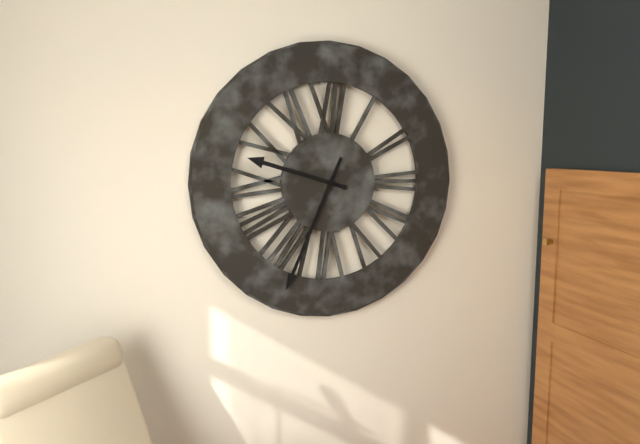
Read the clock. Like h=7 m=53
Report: h=9 m=34
